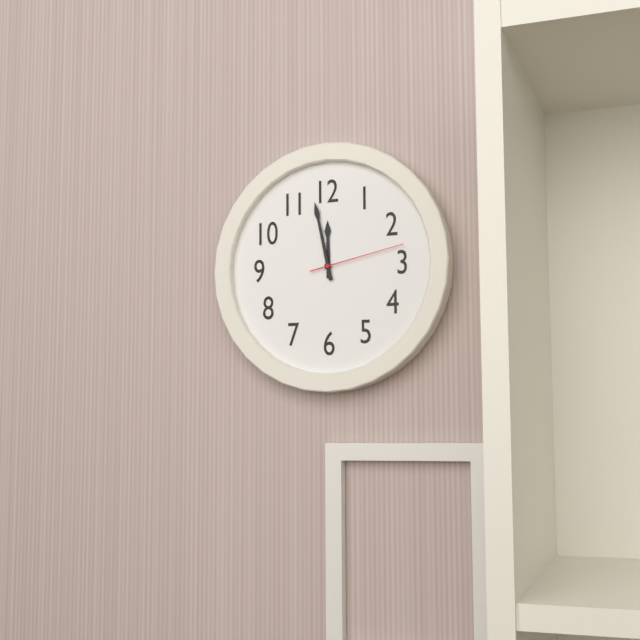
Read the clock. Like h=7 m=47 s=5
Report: h=11 m=58 s=13
